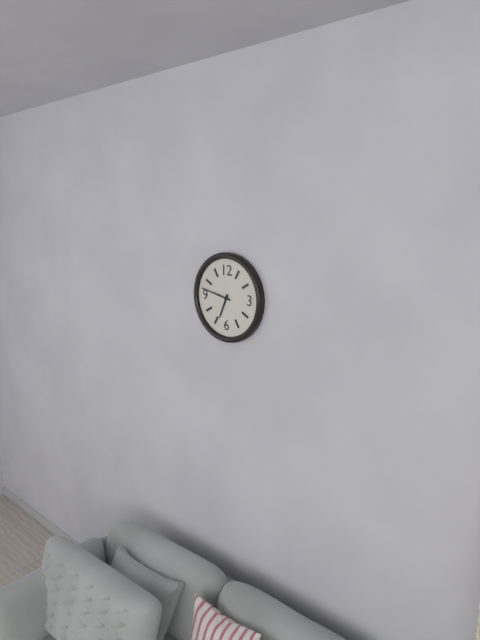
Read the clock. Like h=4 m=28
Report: h=6 m=47
